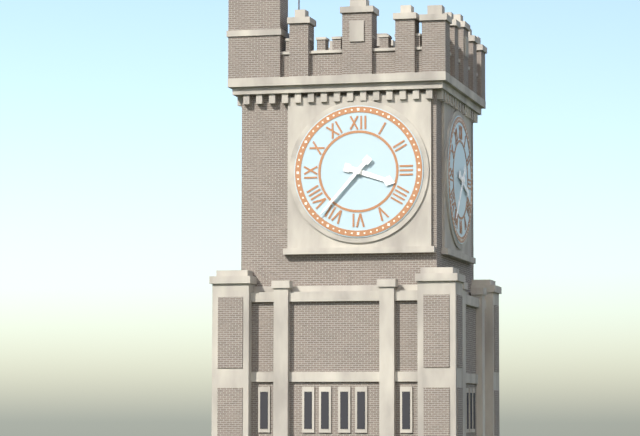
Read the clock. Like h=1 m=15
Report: h=3 m=37
